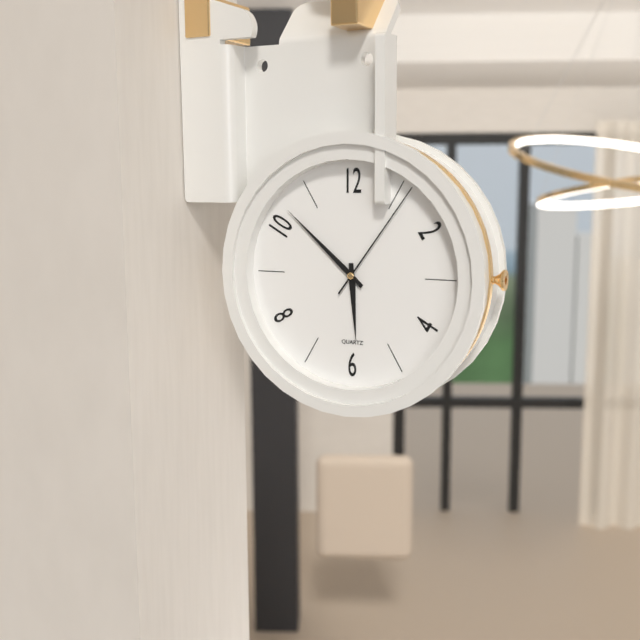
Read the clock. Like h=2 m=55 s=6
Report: h=5 m=52 s=6
